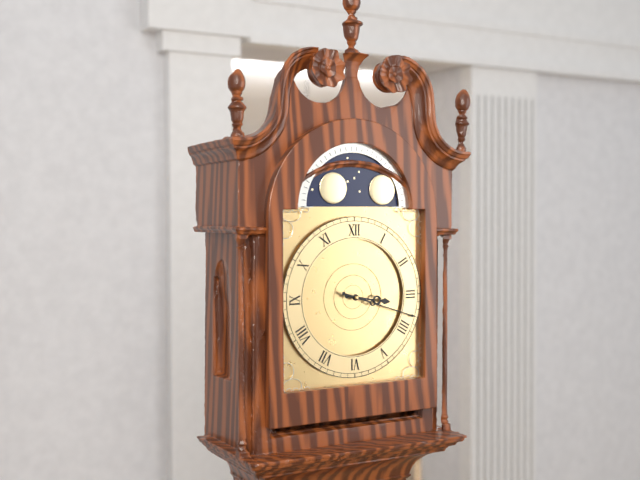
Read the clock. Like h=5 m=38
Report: h=3 m=18
